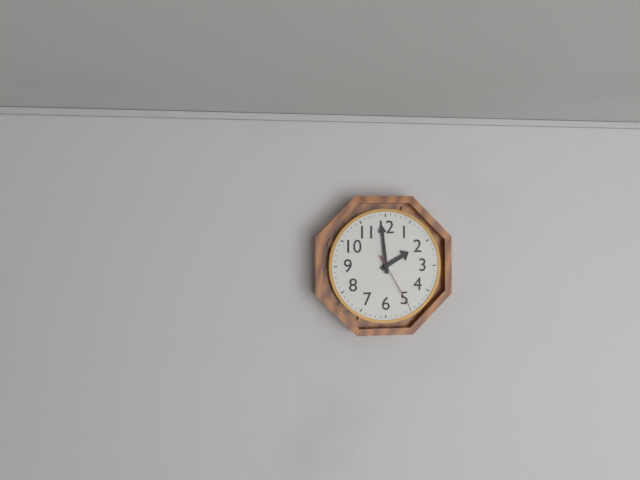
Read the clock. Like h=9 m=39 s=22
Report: h=1 m=59 s=25
